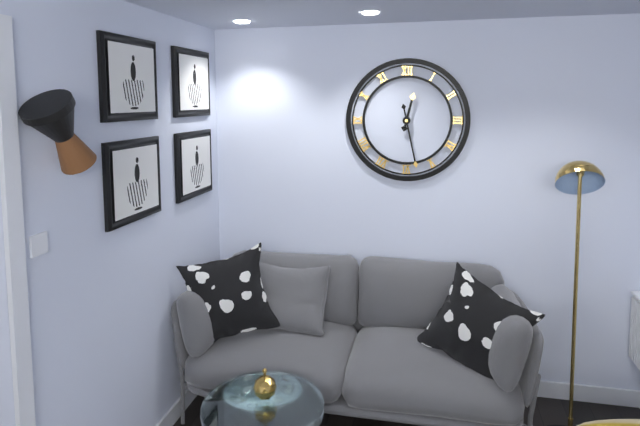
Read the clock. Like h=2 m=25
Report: h=12 m=28
